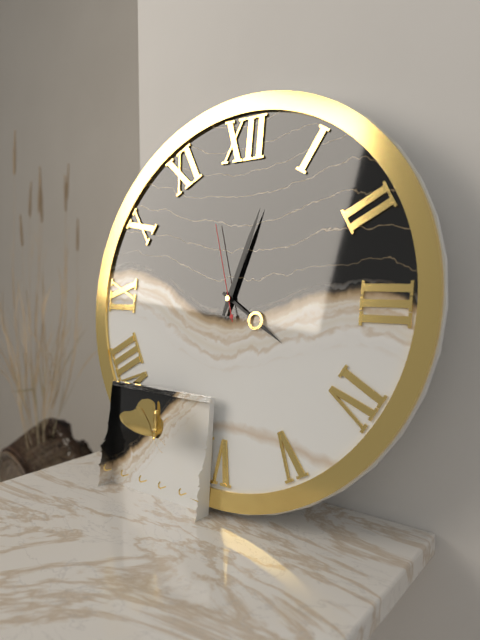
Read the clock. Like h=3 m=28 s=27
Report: h=4 m=3 s=57
